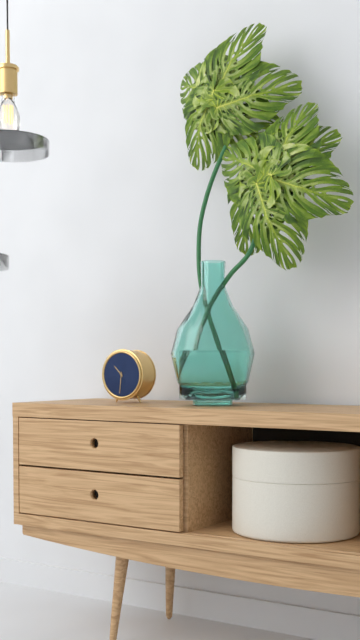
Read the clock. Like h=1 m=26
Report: h=10 m=31
